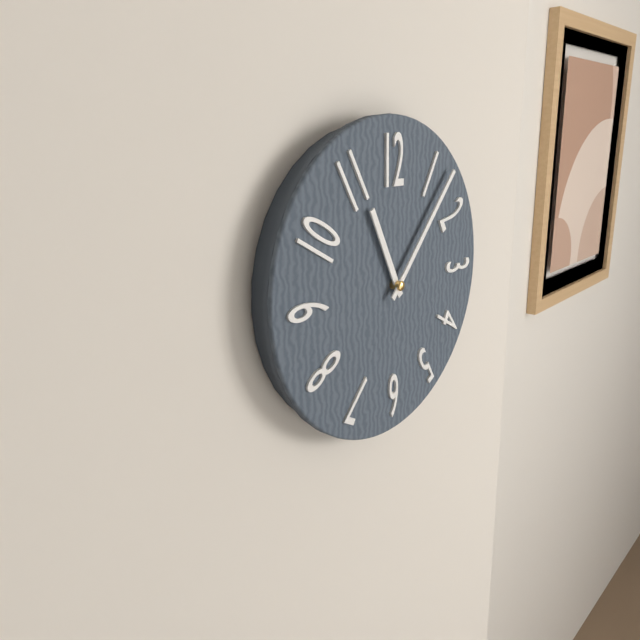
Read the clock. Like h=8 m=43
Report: h=11 m=7
